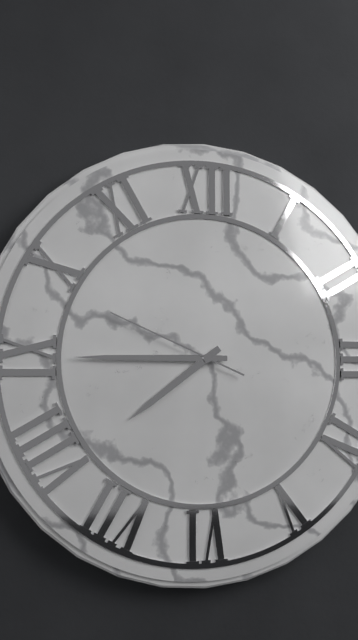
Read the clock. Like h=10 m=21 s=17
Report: h=7 m=45 s=49
